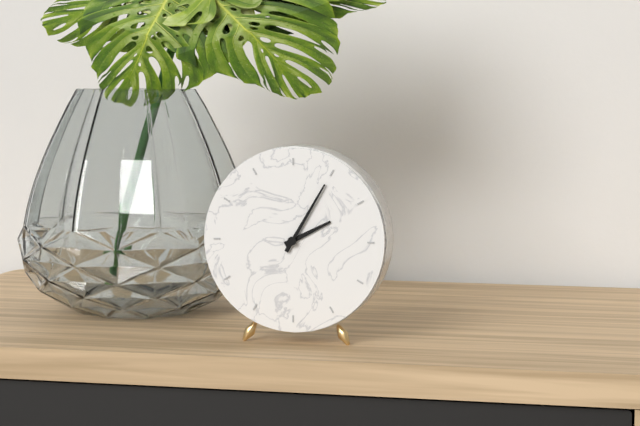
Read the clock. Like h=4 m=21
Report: h=2 m=5
